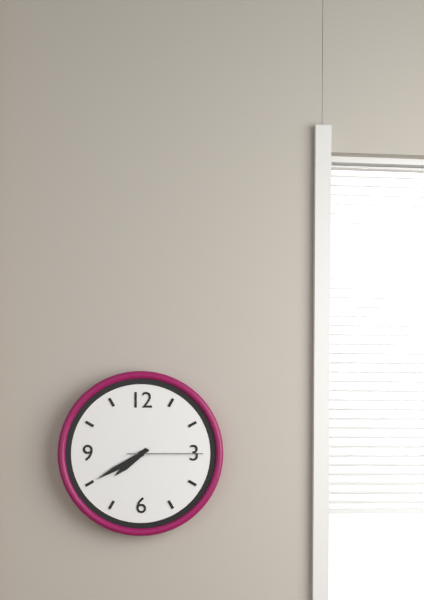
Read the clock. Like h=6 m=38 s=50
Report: h=7 m=40 s=15
